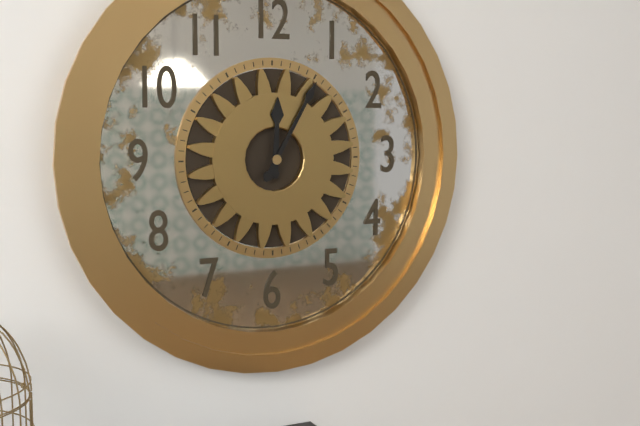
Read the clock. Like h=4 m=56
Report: h=12 m=5
